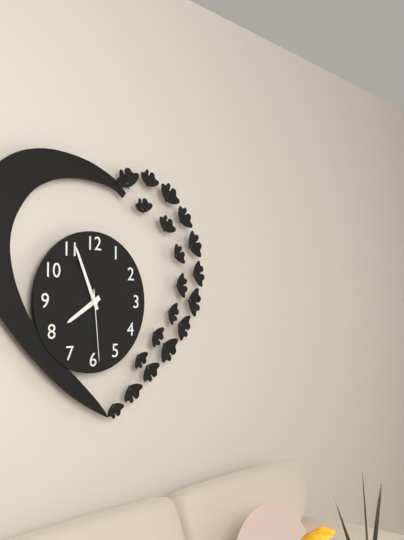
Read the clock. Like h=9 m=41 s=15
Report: h=7 m=56 s=29
